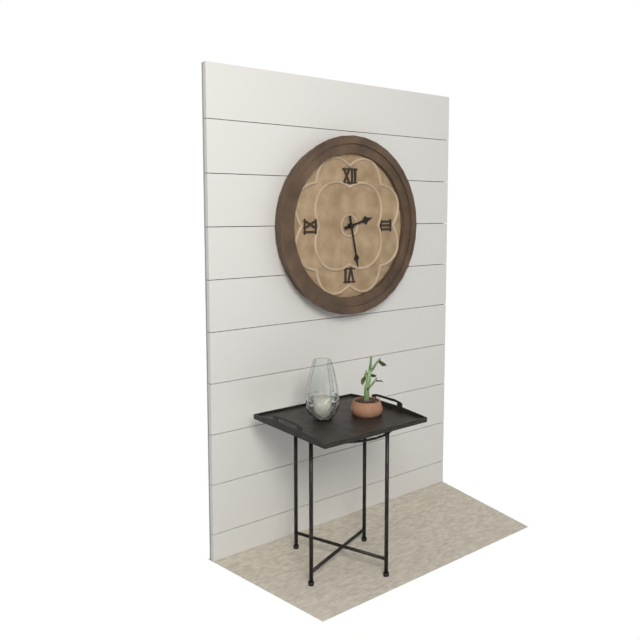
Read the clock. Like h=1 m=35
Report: h=2 m=28
